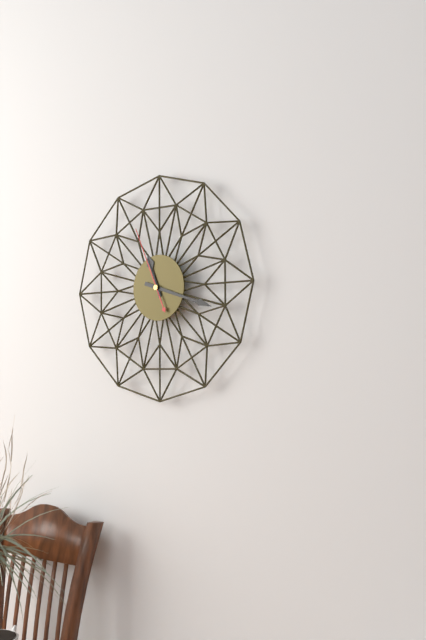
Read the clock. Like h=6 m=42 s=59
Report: h=11 m=18 s=56
